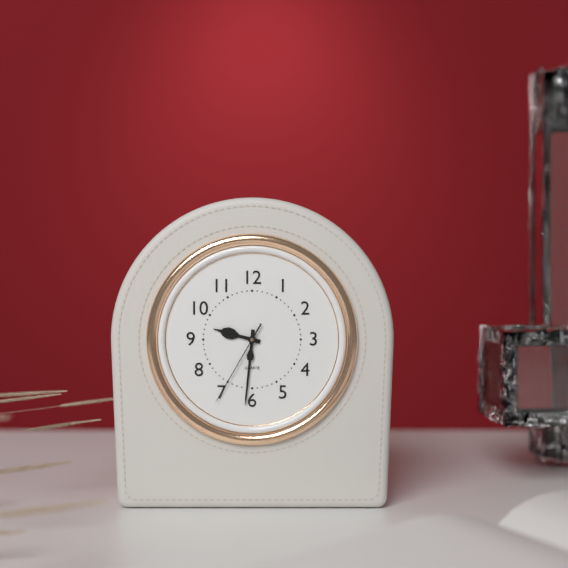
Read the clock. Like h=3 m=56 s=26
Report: h=9 m=31 s=35
